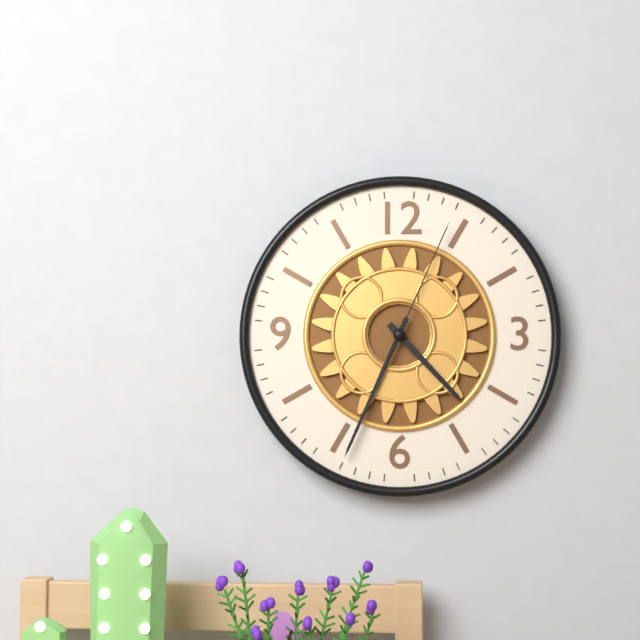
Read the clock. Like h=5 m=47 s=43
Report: h=4 m=34 s=4
